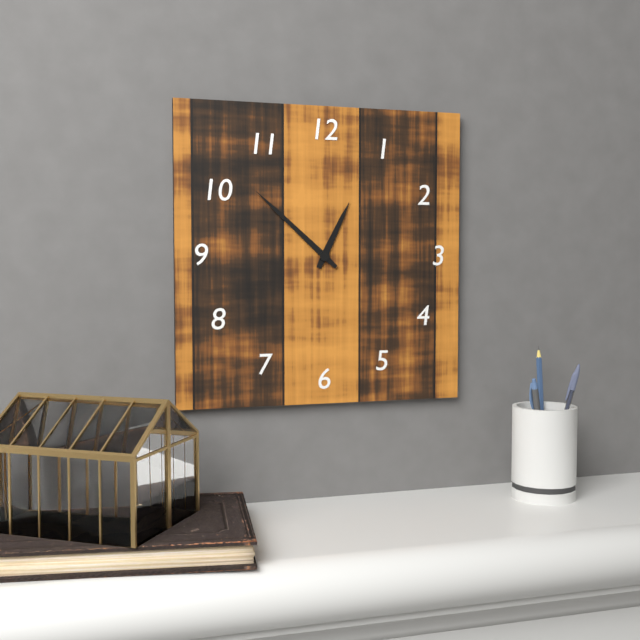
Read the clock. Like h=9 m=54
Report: h=12 m=52
